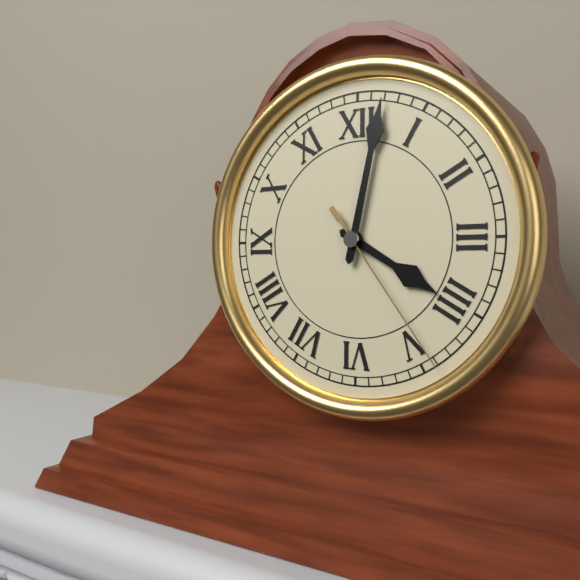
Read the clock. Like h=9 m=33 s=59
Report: h=4 m=2 s=24
